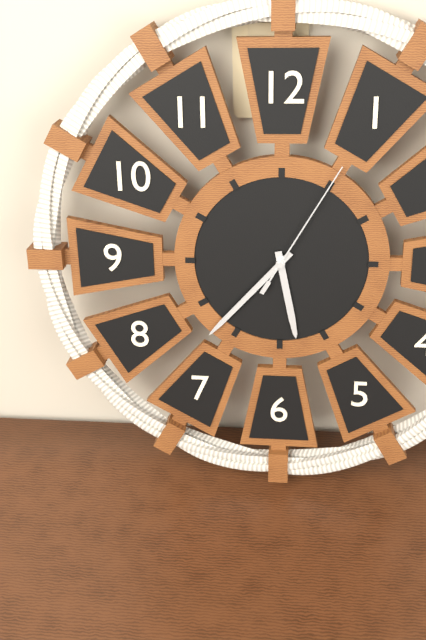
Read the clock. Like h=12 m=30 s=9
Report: h=5 m=37 s=5
